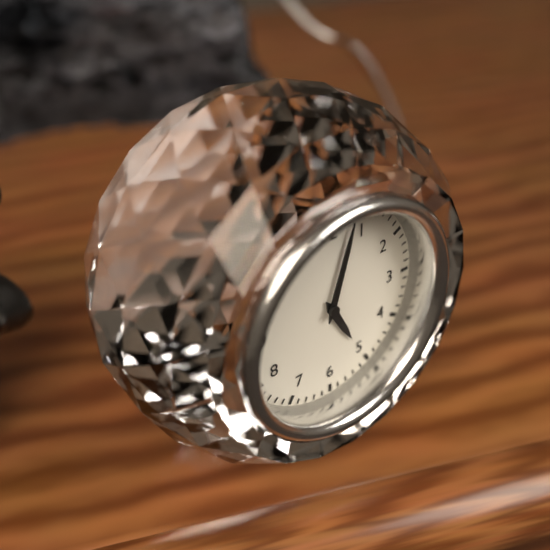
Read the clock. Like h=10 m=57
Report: h=5 m=3
